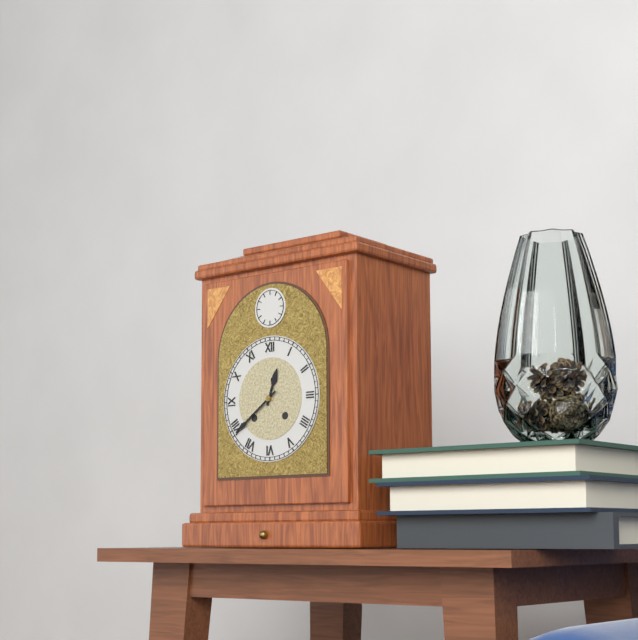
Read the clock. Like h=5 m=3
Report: h=12 m=39
